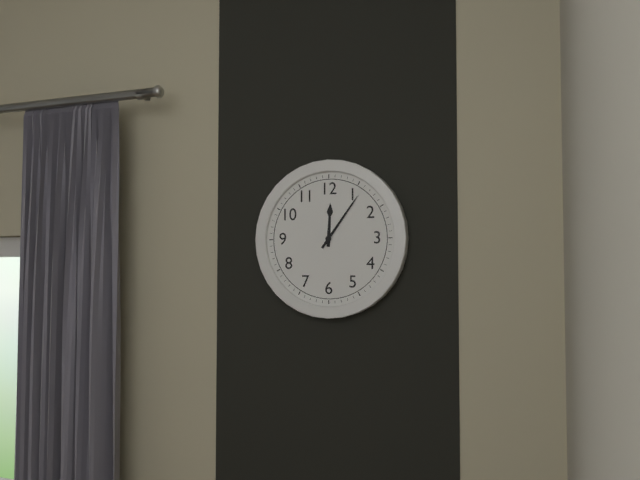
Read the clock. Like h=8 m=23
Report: h=12 m=6
